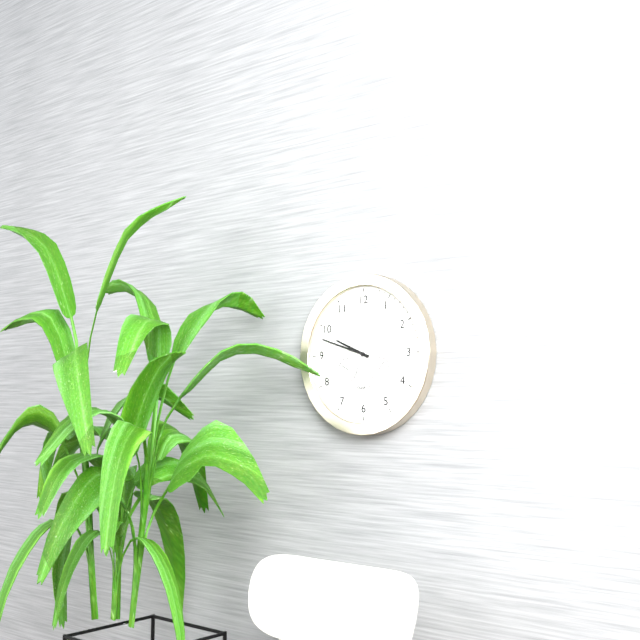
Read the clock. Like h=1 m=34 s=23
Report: h=9 m=48 s=34
